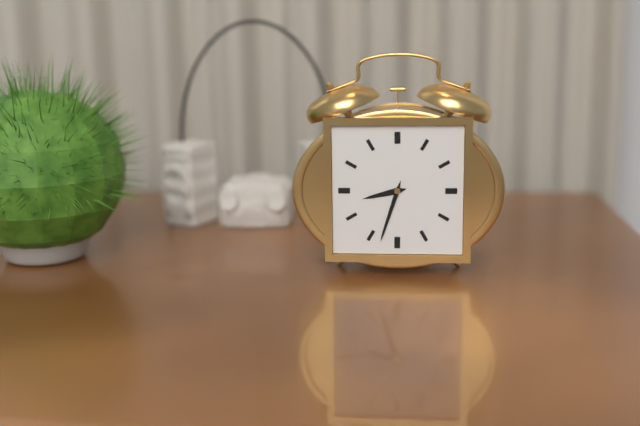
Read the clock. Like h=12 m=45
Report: h=8 m=33
